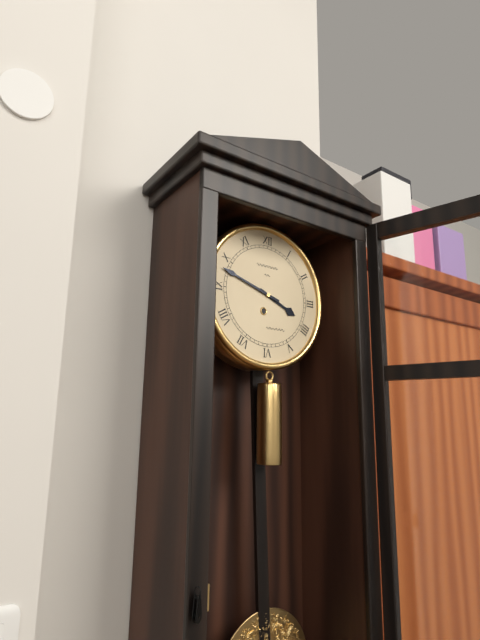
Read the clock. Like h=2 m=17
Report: h=3 m=48
